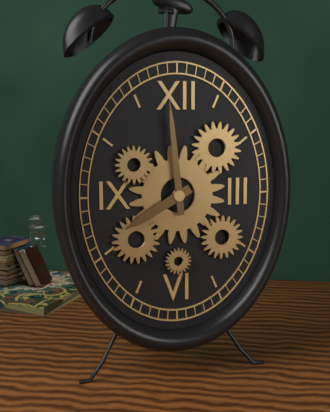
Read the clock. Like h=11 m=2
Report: h=7 m=59
